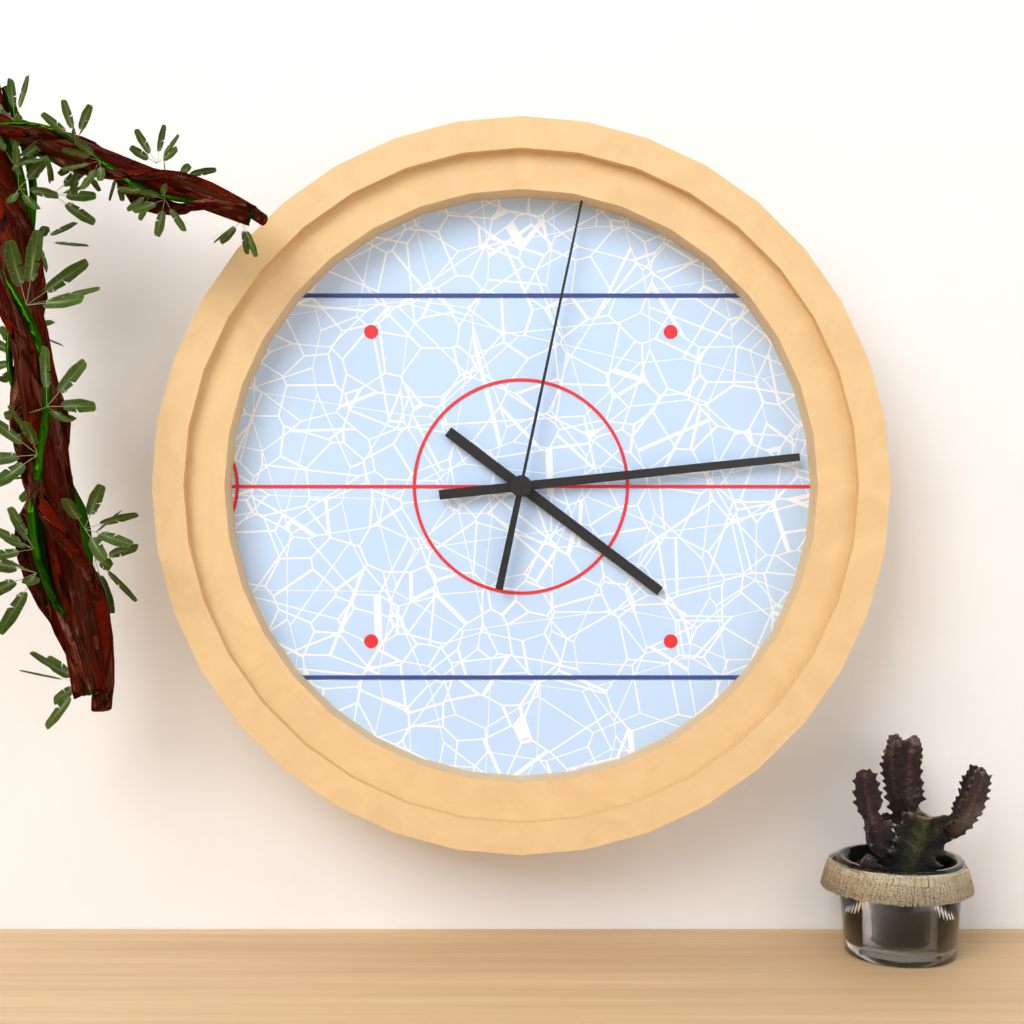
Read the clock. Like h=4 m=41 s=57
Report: h=4 m=14 s=2
